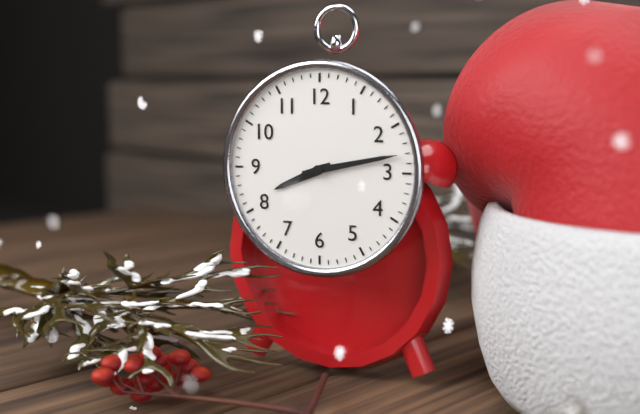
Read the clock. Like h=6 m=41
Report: h=8 m=13
